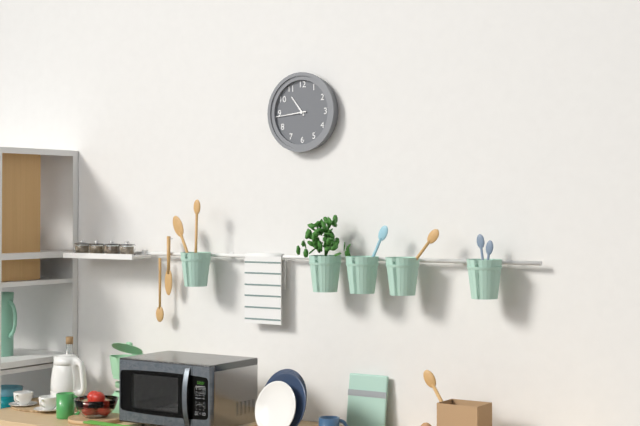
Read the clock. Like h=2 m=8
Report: h=10 m=44
